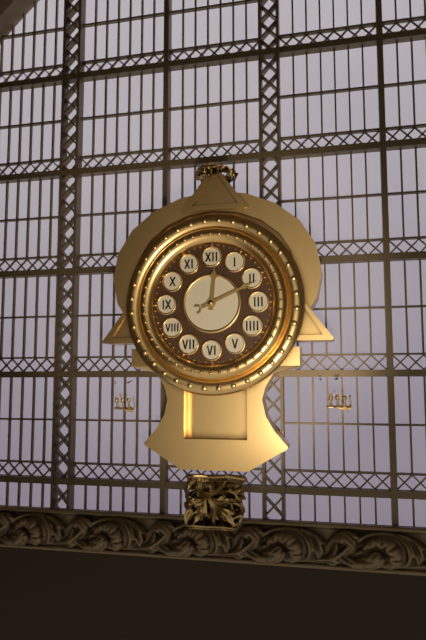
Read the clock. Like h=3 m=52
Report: h=12 m=11
